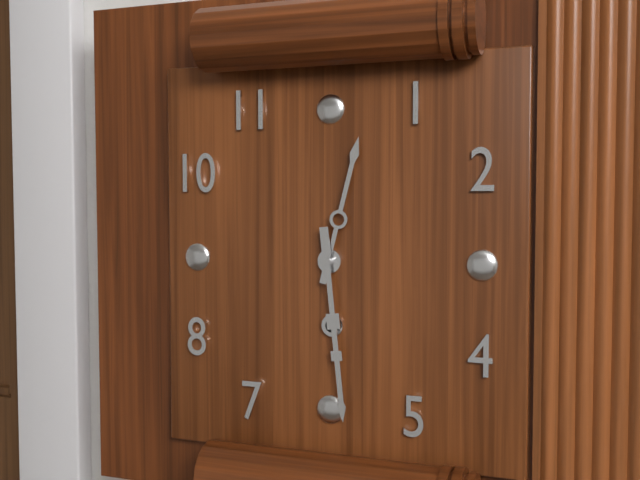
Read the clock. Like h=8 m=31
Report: h=12 m=29
